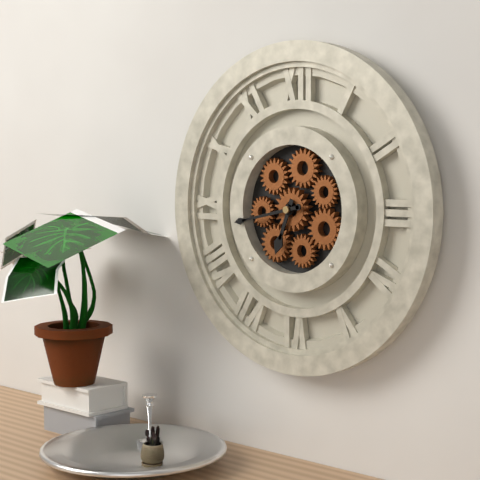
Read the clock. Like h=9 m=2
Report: h=6 m=43
